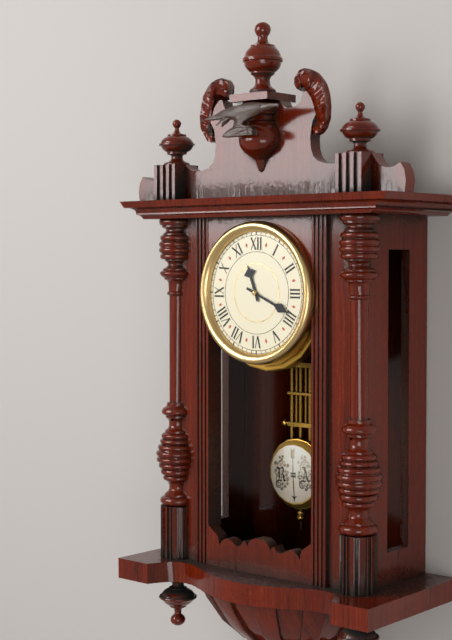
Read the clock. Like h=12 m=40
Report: h=11 m=19
